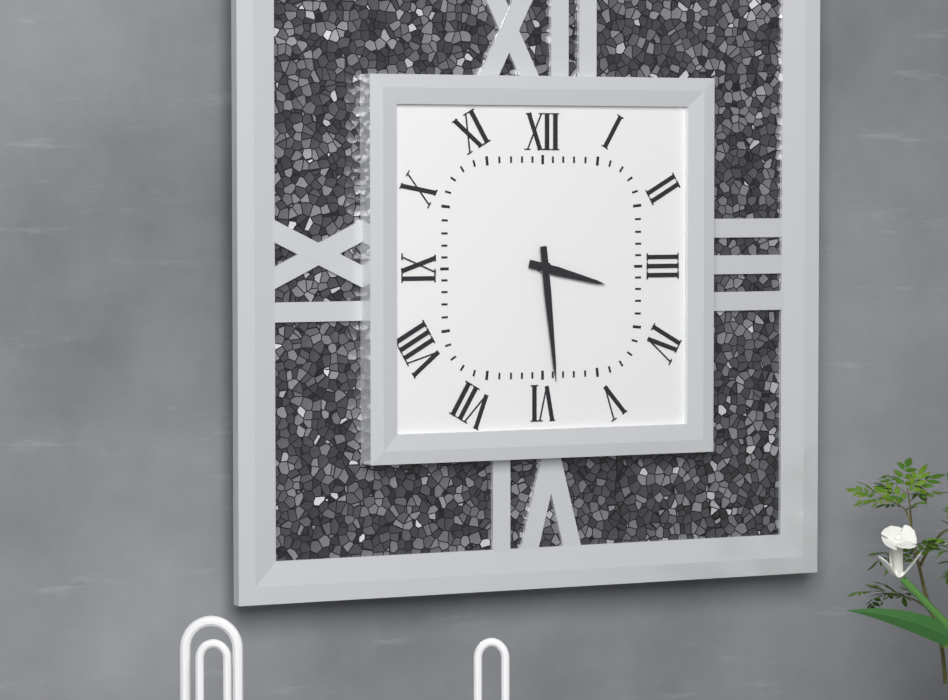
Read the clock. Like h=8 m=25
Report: h=3 m=29
